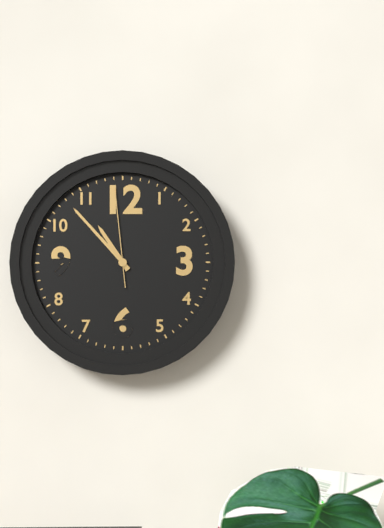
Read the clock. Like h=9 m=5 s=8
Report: h=10 m=53 s=59
